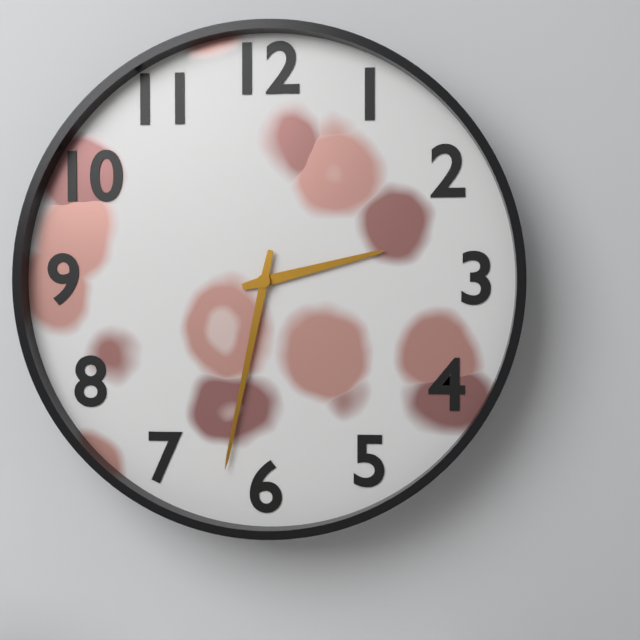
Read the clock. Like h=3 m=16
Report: h=2 m=32
